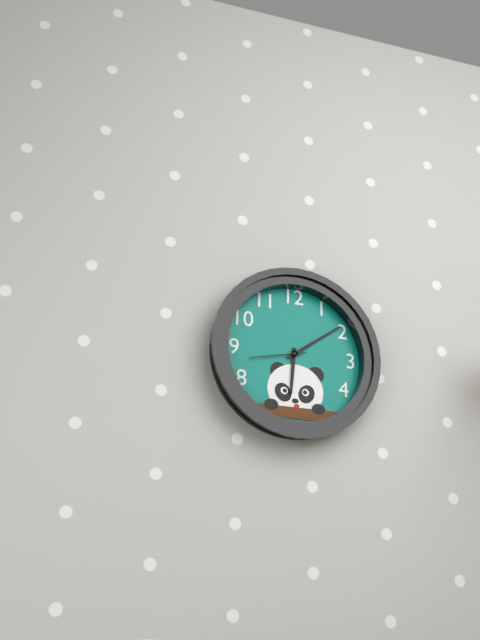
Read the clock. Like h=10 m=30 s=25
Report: h=6 m=9 s=43
